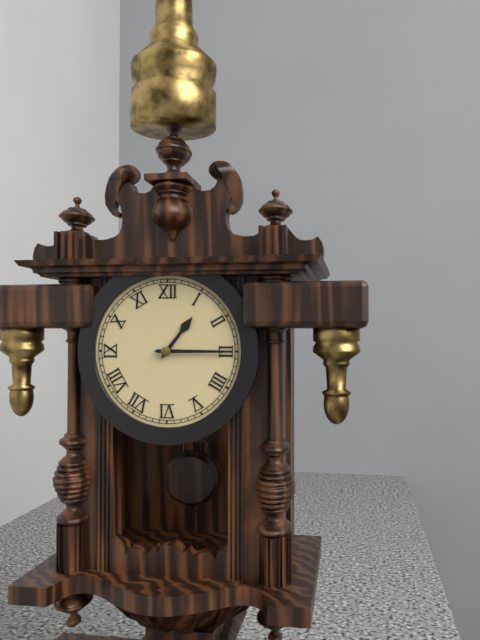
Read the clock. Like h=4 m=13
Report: h=1 m=15
